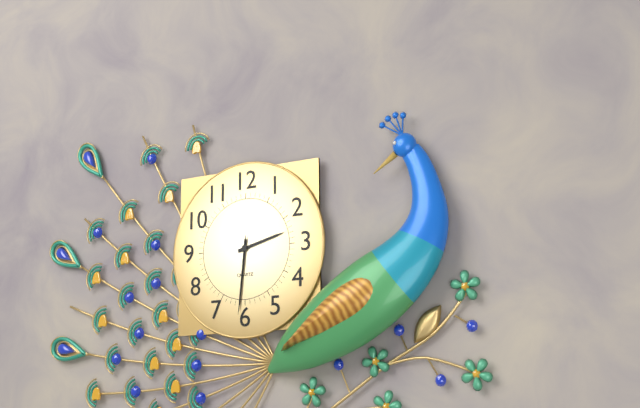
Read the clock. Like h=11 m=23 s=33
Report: h=2 m=31 s=31
